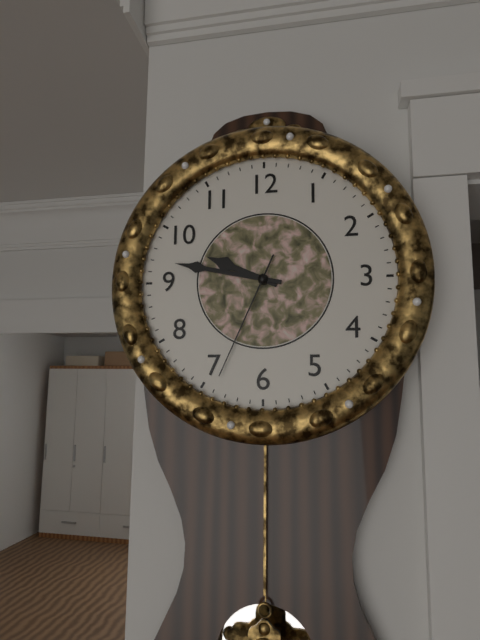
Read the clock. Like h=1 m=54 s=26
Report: h=9 m=47 s=34
